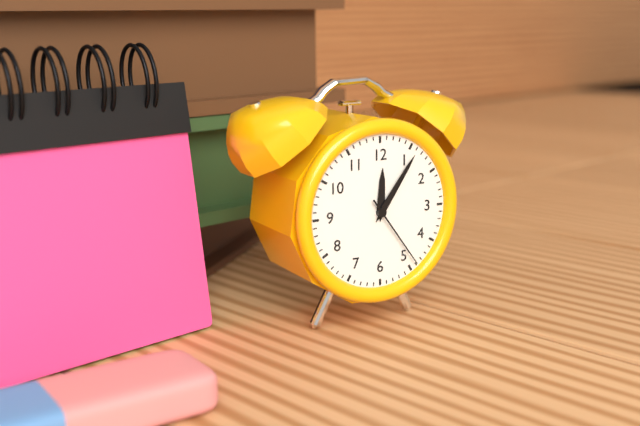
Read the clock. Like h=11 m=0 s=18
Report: h=12 m=6 s=24
